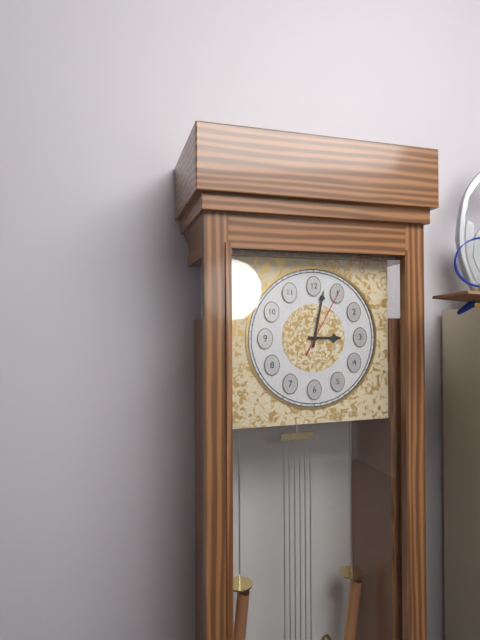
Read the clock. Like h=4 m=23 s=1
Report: h=3 m=2 s=5
